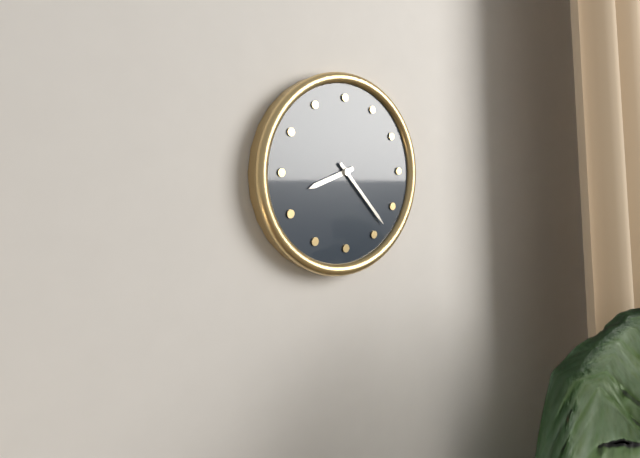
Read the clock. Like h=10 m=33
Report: h=8 m=23
